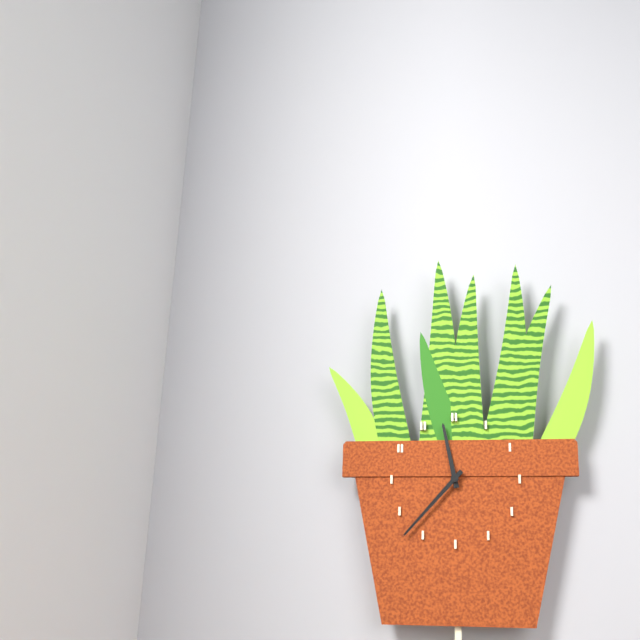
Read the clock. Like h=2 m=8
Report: h=11 m=37
